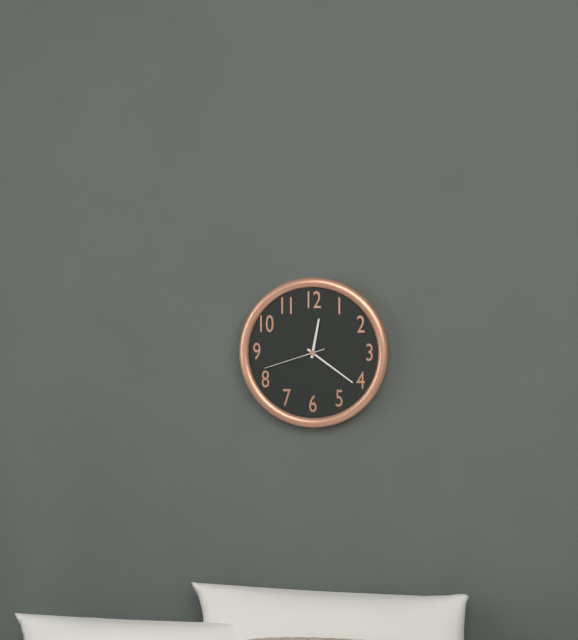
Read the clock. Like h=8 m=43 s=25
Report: h=12 m=21 s=42
